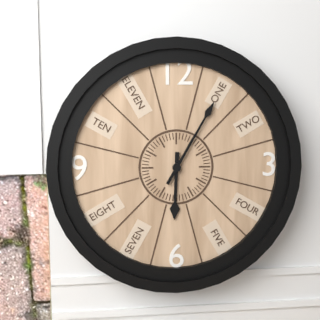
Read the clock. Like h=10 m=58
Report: h=6 m=5
